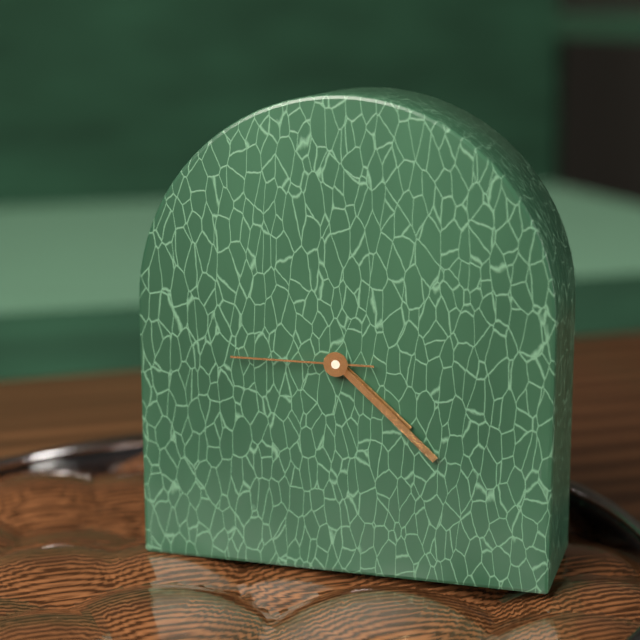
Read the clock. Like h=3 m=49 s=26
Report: h=4 m=22 s=45
